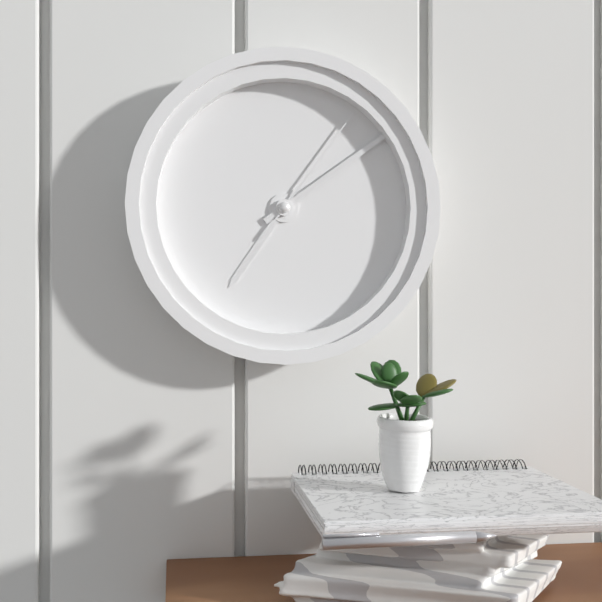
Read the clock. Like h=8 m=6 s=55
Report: h=7 m=9 s=6
